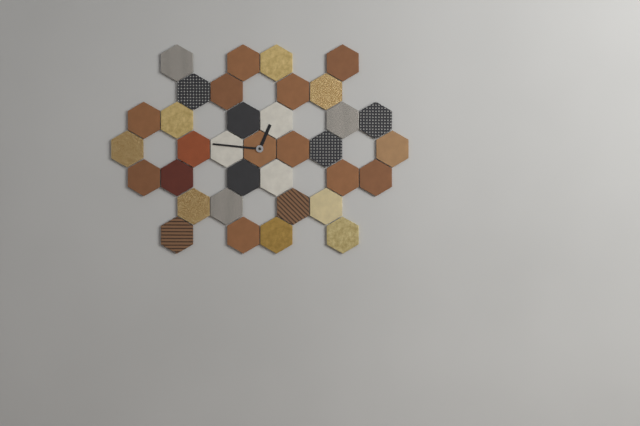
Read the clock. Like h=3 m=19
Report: h=12 m=46
